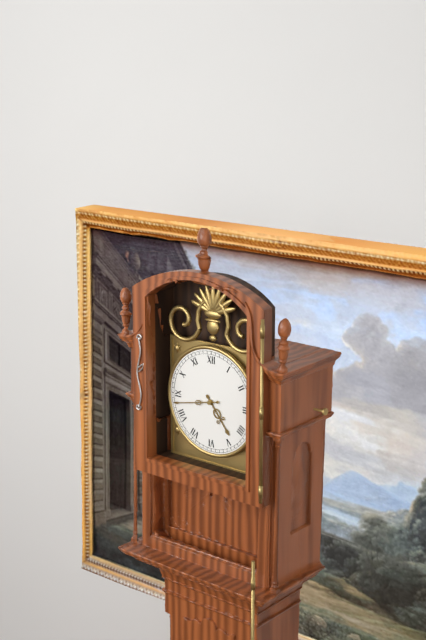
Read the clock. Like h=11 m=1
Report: h=4 m=43
